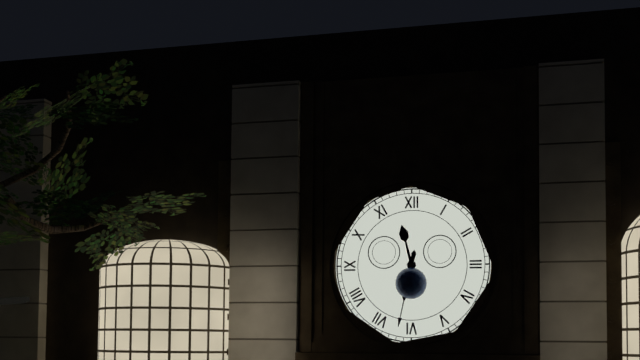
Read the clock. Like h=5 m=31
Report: h=11 m=32
